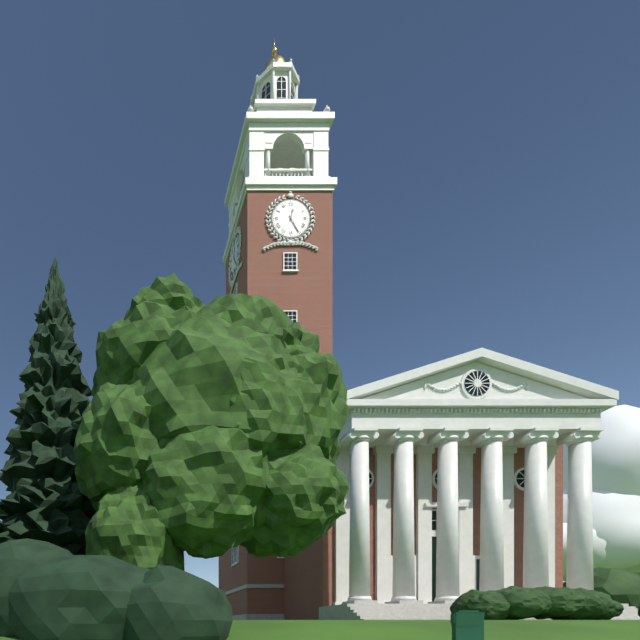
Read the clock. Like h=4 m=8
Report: h=12 m=25
